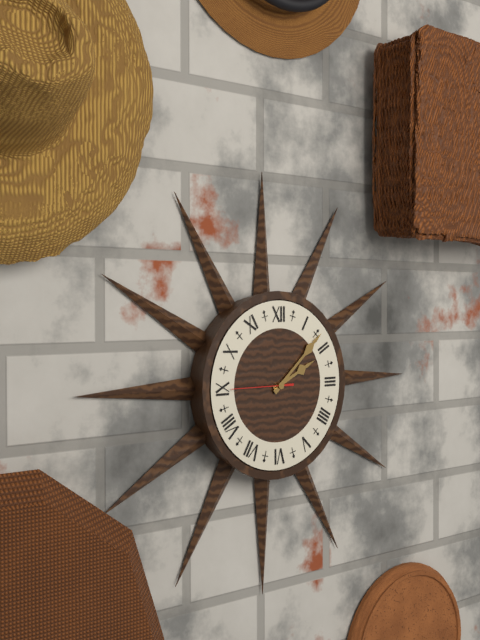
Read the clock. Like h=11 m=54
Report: h=2 m=8
